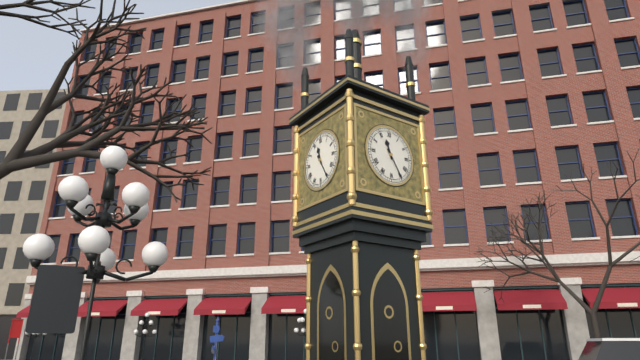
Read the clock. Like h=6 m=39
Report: h=11 m=25
